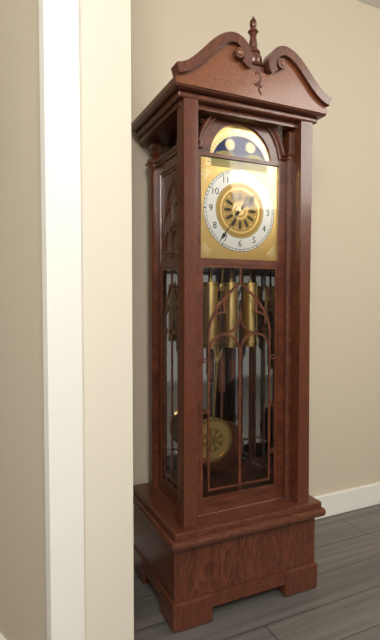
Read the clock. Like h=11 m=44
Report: h=1 m=36
